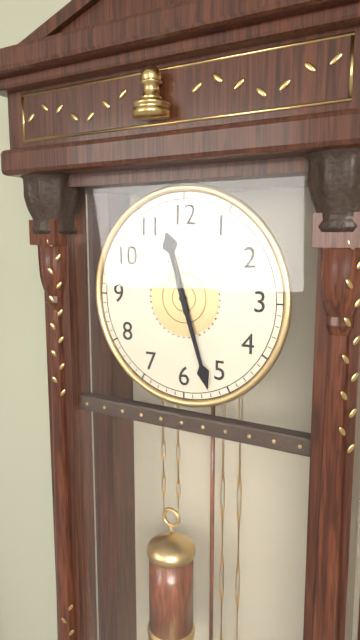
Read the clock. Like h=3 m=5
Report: h=11 m=27
